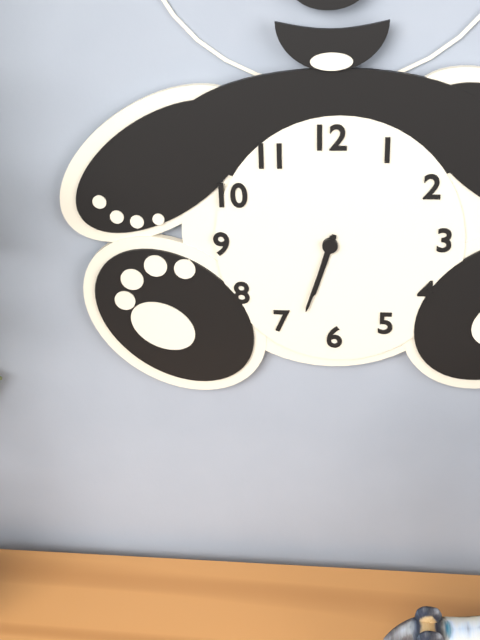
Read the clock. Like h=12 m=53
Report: h=6 m=33
